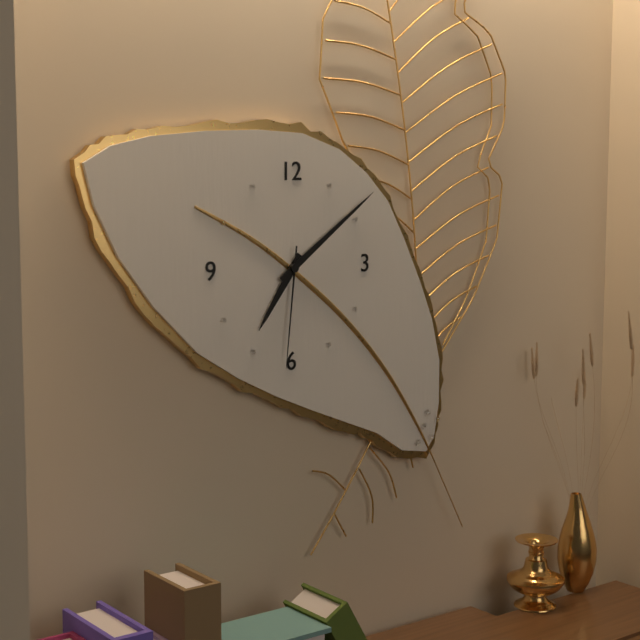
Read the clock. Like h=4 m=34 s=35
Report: h=7 m=9 s=31
